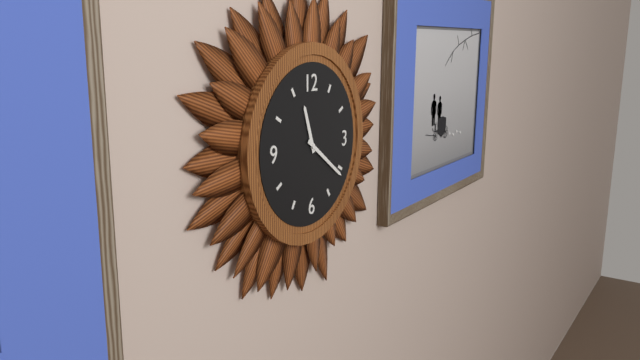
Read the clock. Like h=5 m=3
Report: h=11 m=21
